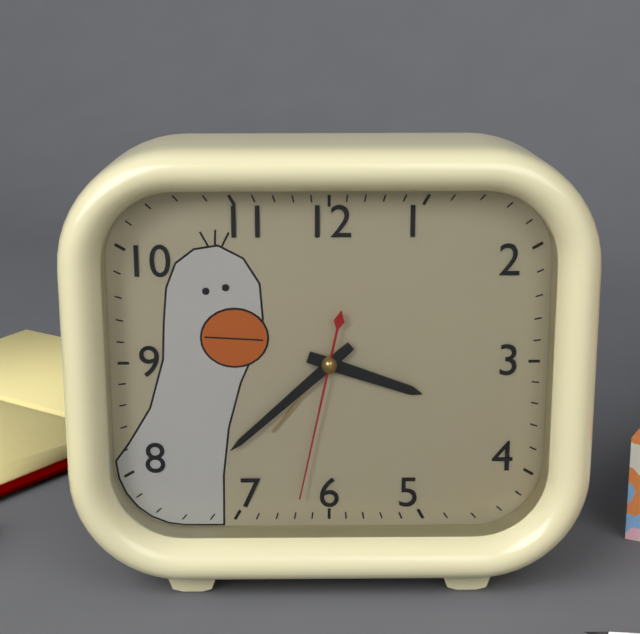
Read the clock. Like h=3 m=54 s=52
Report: h=3 m=38 s=32
